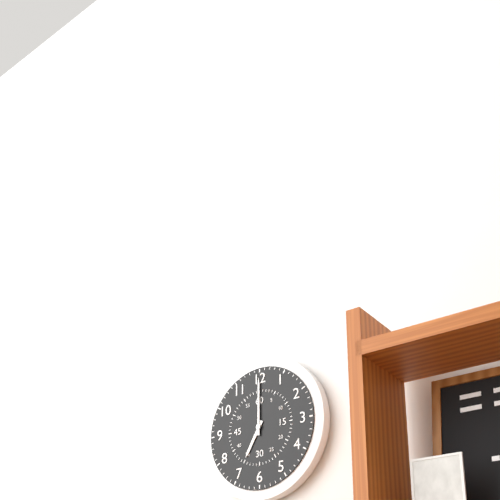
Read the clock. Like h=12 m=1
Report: h=7 m=0
